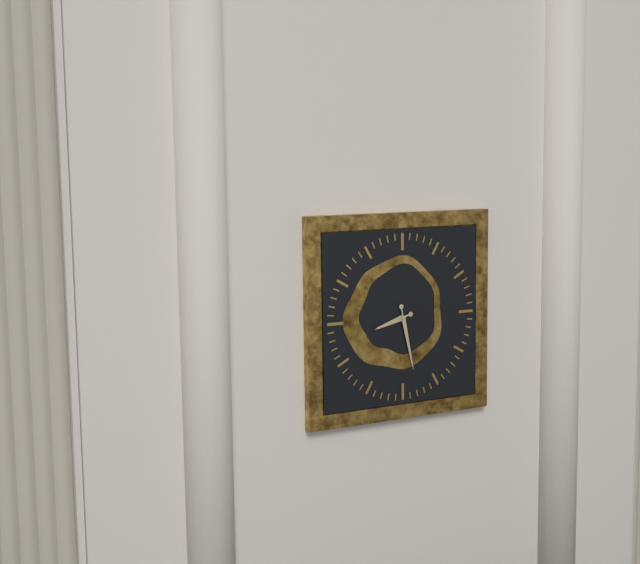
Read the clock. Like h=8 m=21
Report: h=8 m=28
